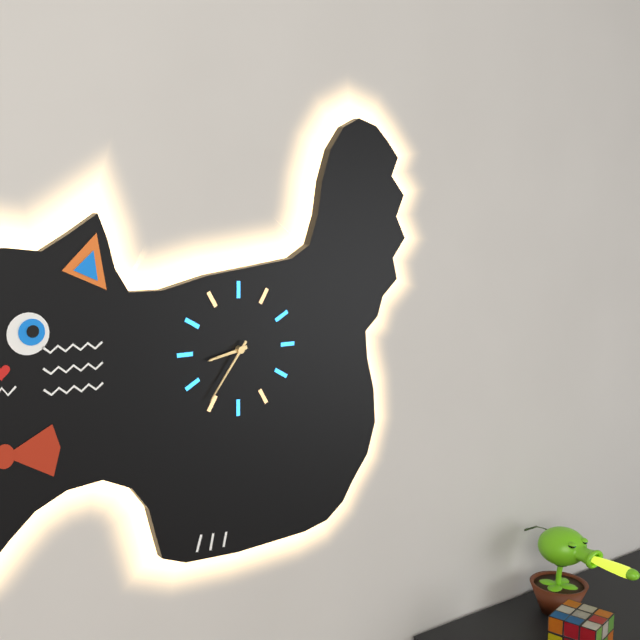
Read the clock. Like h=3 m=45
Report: h=8 m=36
